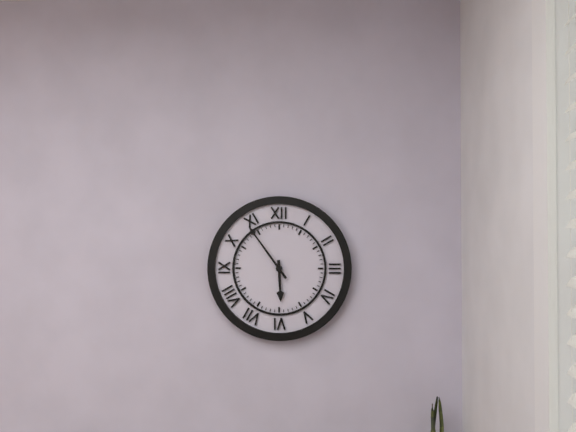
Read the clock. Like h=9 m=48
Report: h=5 m=54
